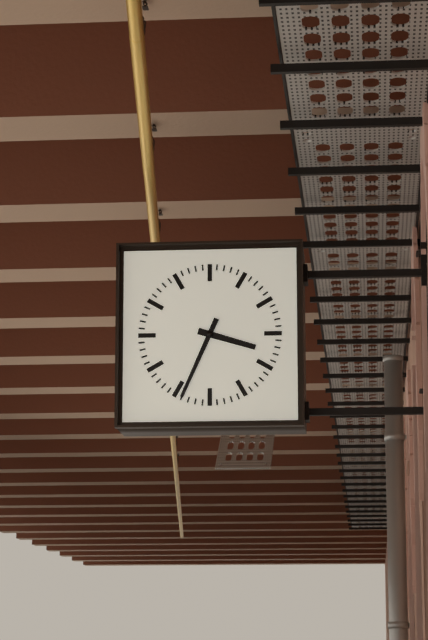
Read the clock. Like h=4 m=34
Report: h=3 m=34
